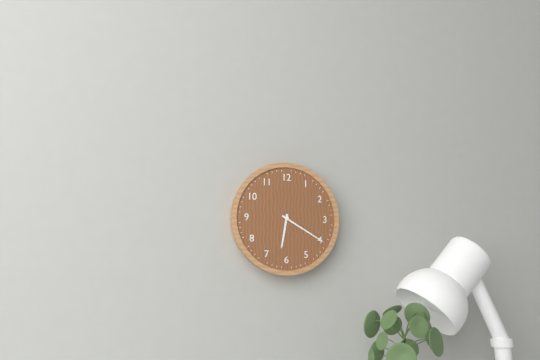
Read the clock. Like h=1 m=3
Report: h=6 m=20
